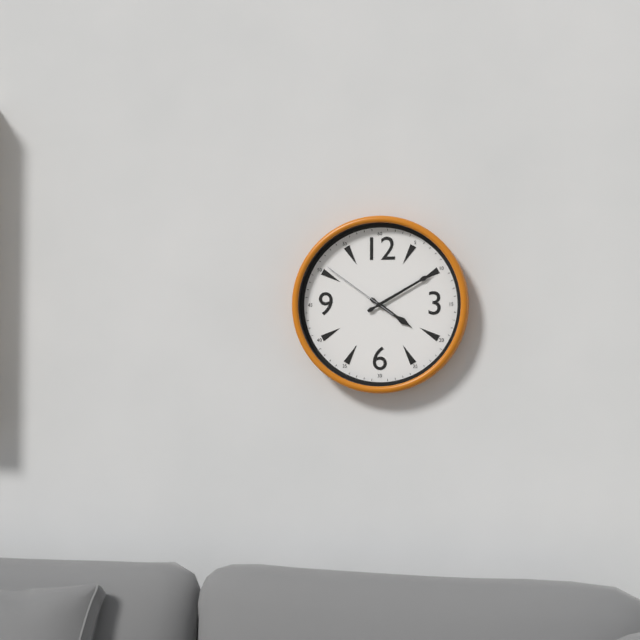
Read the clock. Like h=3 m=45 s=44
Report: h=4 m=10 s=51
